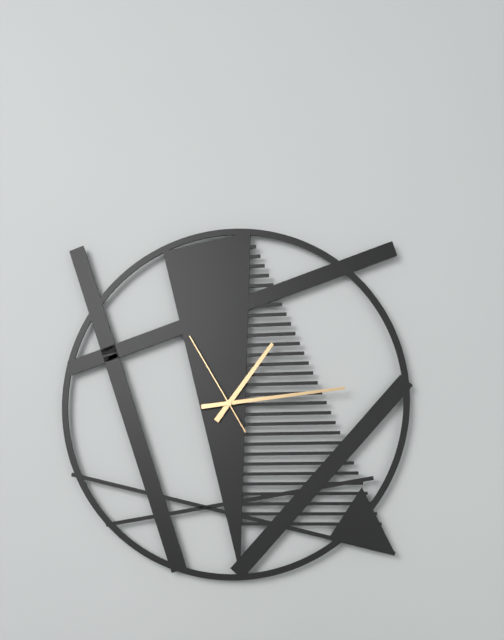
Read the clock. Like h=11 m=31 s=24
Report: h=1 m=14 s=55
